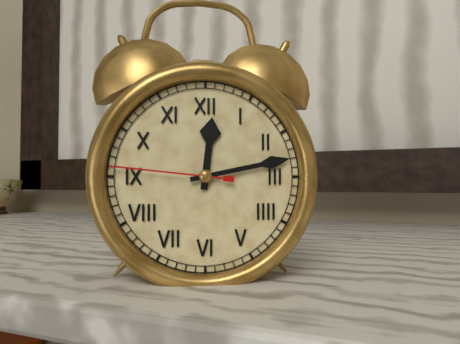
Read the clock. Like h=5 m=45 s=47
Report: h=12 m=13 s=46
